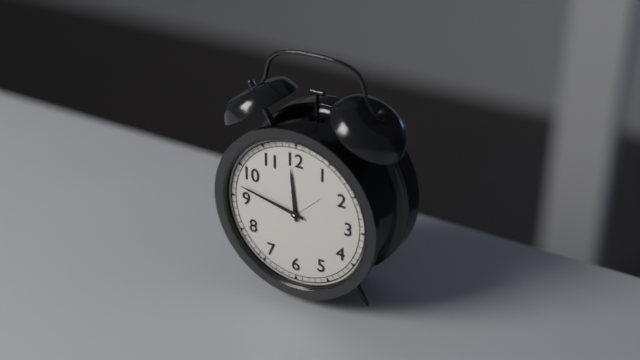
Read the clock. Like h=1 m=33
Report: h=11 m=47
